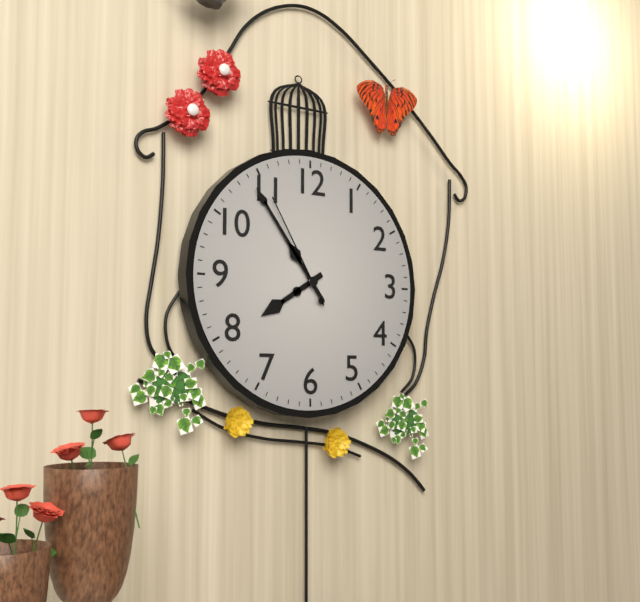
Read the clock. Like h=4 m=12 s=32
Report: h=7 m=54 s=55
